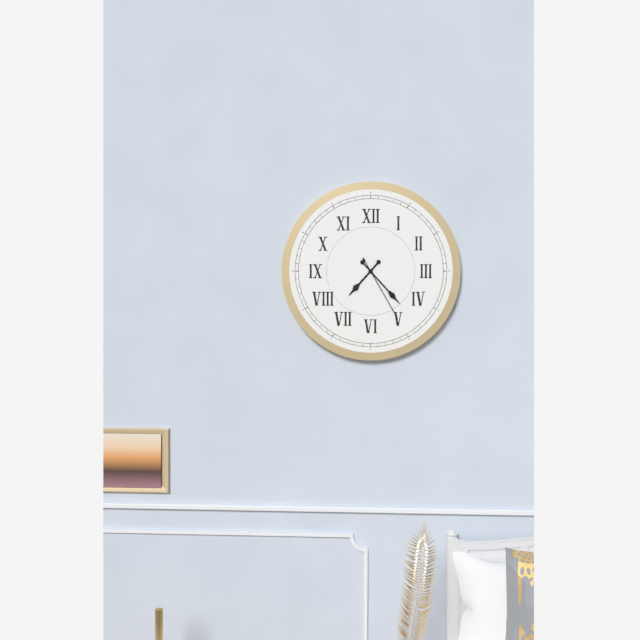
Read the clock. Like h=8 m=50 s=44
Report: h=7 m=23 s=25
